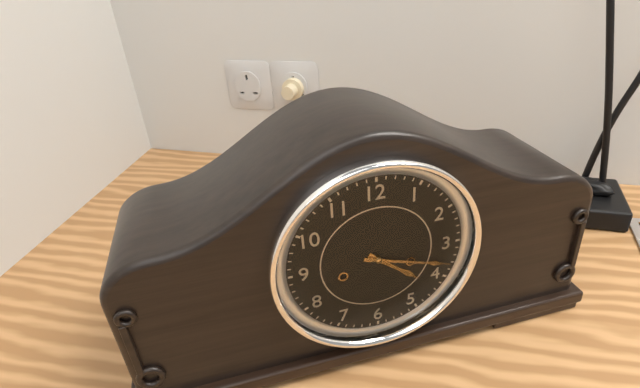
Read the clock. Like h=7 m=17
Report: h=4 m=18
